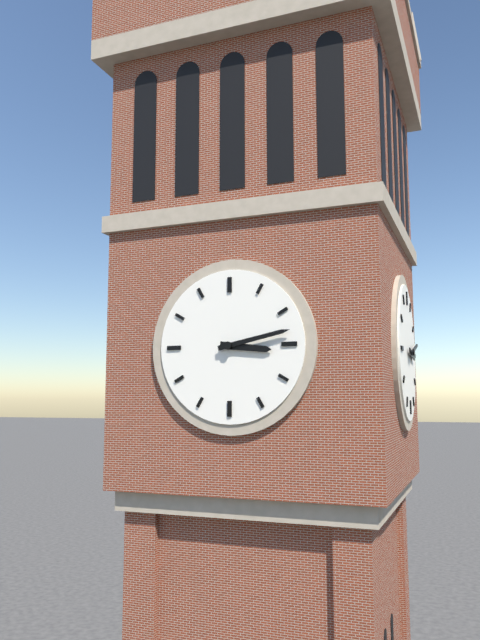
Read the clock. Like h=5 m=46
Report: h=3 m=13
